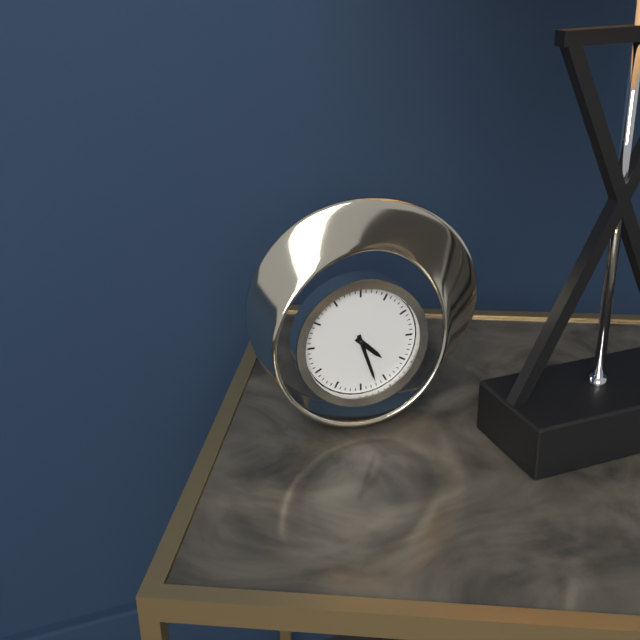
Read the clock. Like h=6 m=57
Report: h=4 m=27
